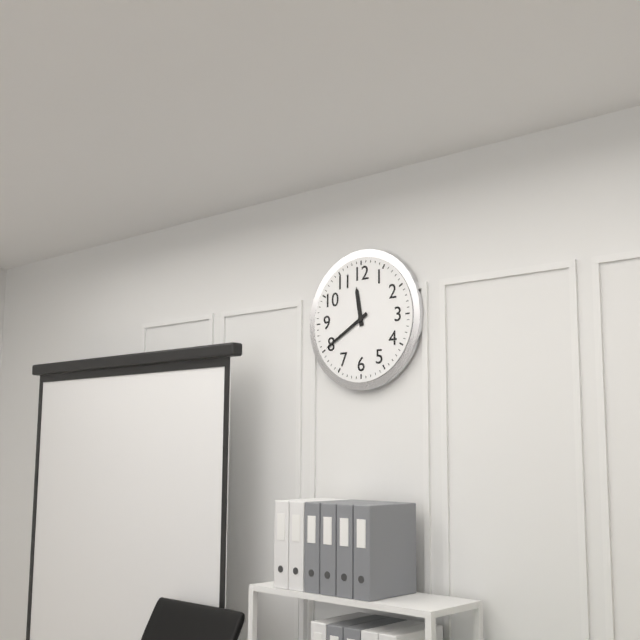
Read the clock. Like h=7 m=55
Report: h=11 m=40
